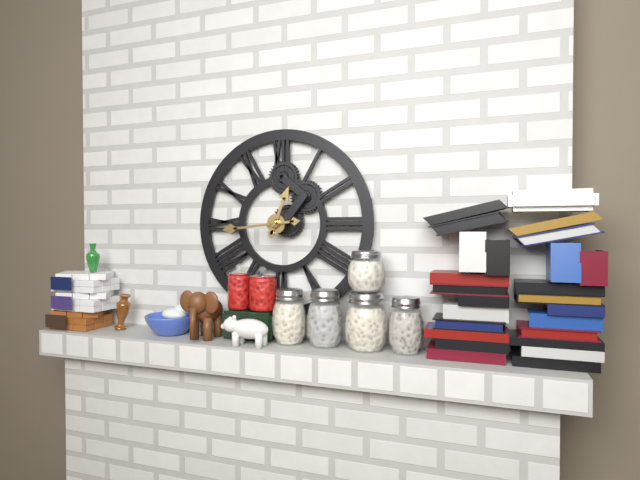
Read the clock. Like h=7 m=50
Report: h=12 m=44
